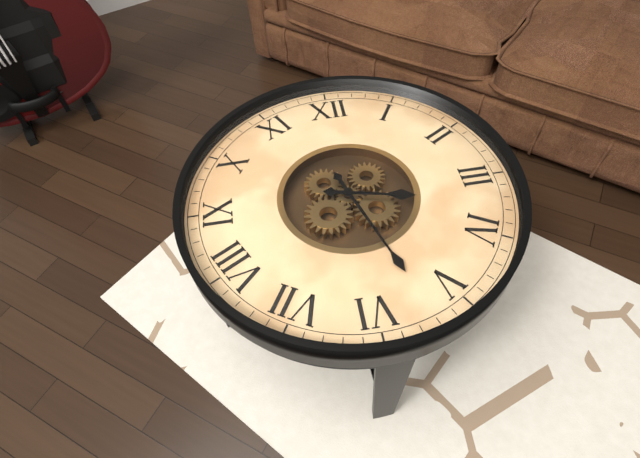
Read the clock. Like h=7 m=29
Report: h=3 m=27
